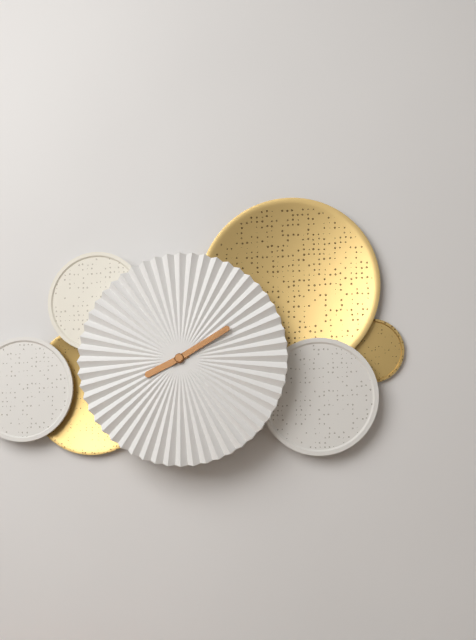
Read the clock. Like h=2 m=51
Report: h=8 m=10
